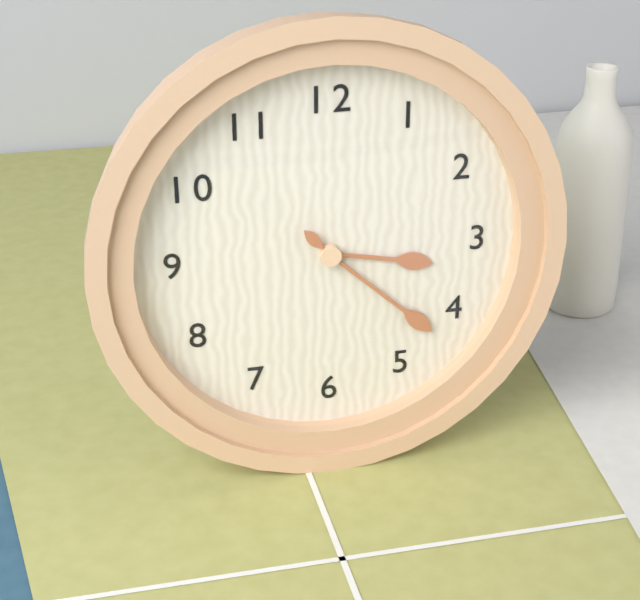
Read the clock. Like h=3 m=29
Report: h=3 m=22
